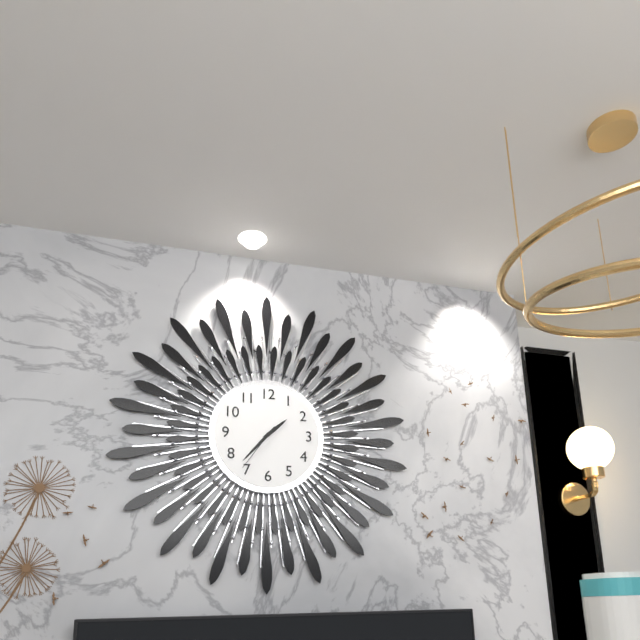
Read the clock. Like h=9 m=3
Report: h=1 m=37
